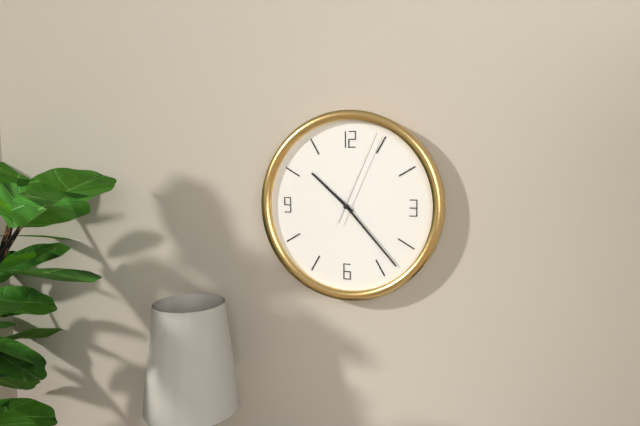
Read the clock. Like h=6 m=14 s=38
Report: h=10 m=23 s=4
